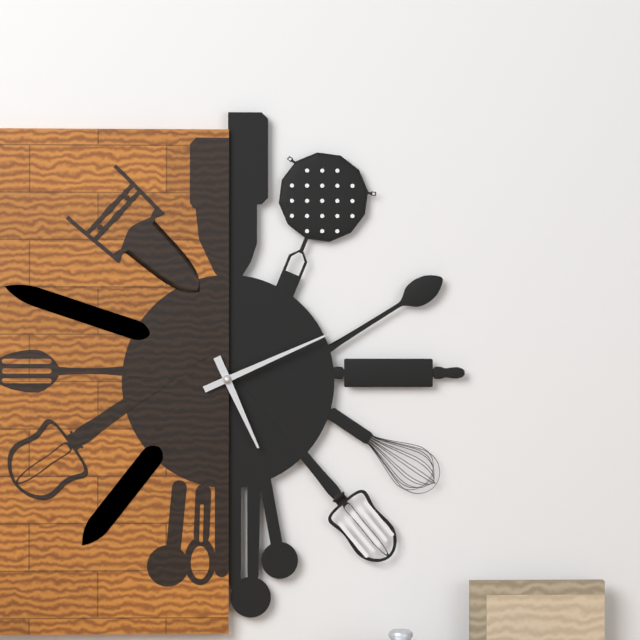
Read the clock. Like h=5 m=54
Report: h=5 m=11
